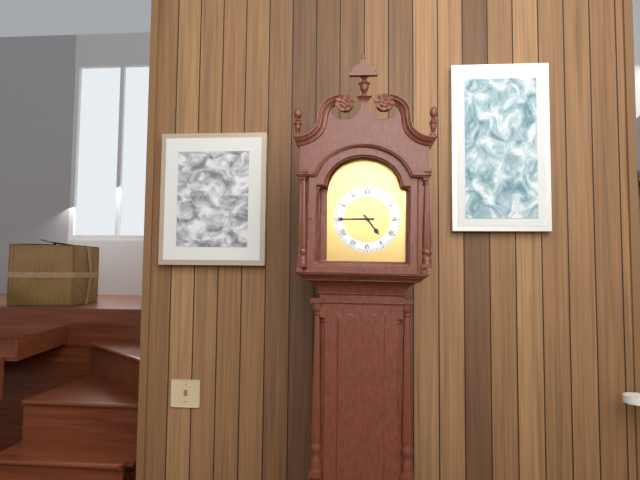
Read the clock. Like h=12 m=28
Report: h=4 m=45
